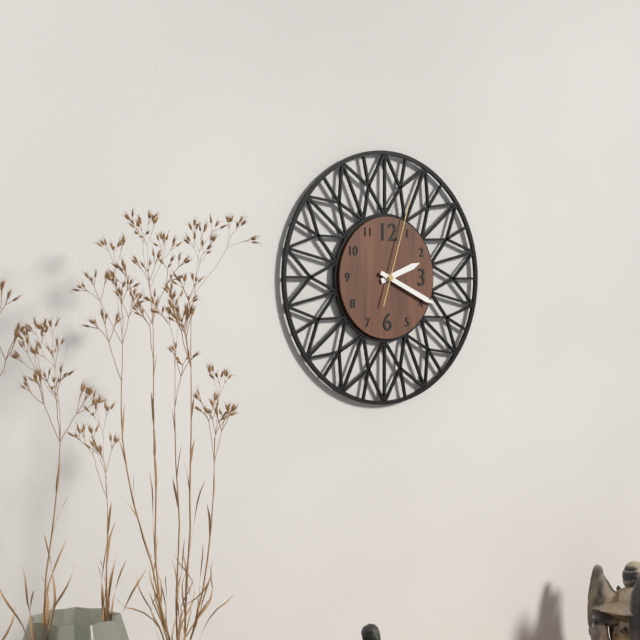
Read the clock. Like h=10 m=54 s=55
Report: h=2 m=19 s=3
